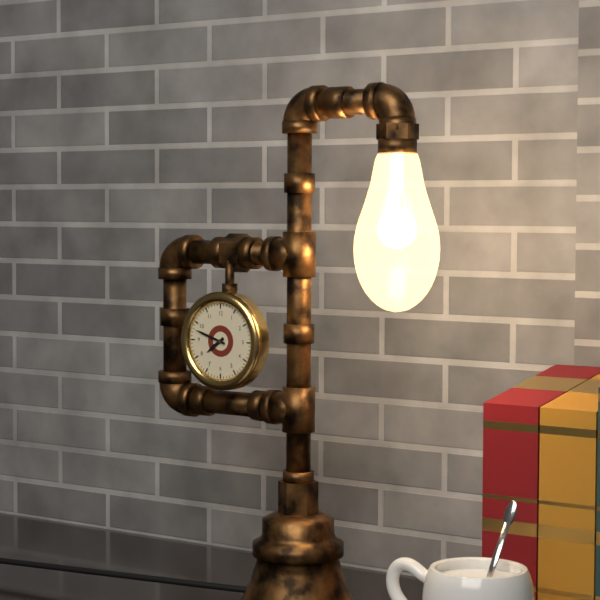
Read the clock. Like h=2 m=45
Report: h=7 m=48
